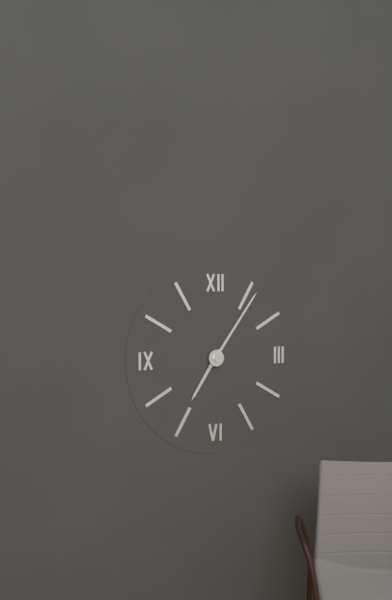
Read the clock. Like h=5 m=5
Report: h=7 m=6
